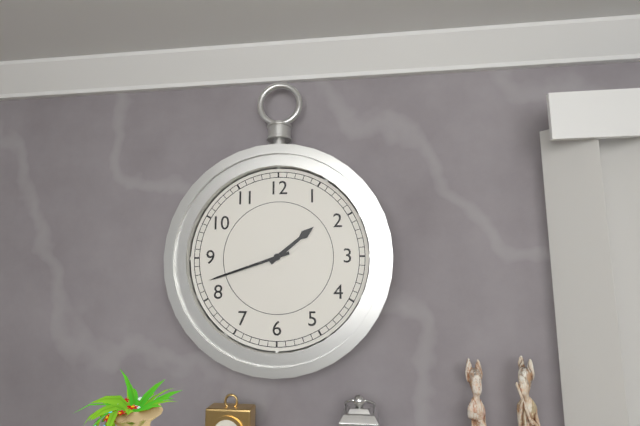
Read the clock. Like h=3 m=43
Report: h=1 m=42
